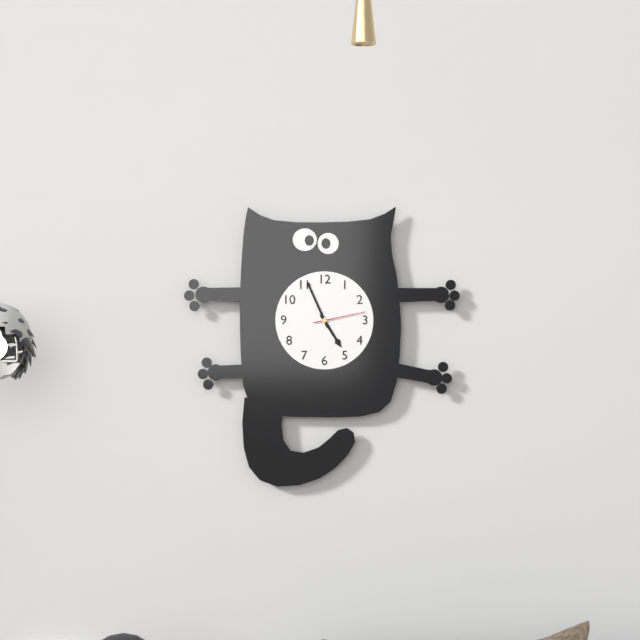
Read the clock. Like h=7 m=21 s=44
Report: h=4 m=56 s=13
